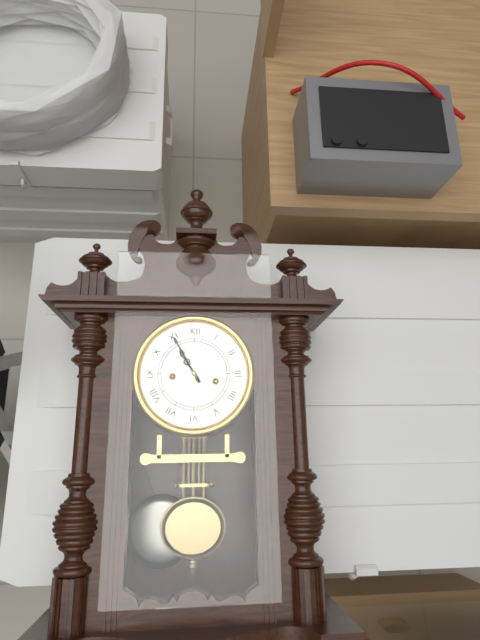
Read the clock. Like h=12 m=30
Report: h=10 m=55
